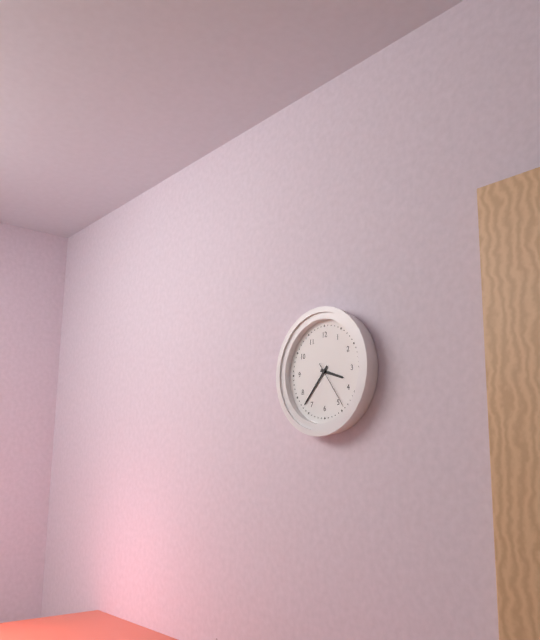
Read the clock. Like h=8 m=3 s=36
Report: h=3 m=37 s=24
